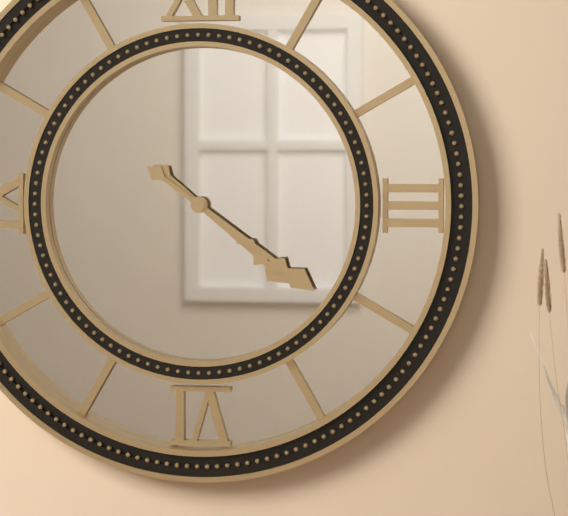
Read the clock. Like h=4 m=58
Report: h=4 m=21
